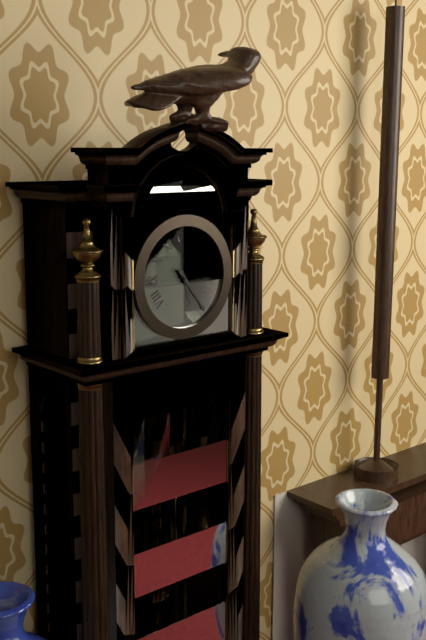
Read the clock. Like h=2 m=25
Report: h=5 m=24
